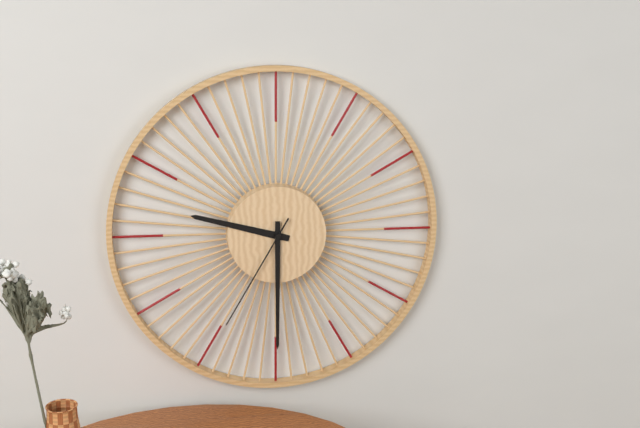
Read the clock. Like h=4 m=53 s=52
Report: h=9 m=30 s=35
